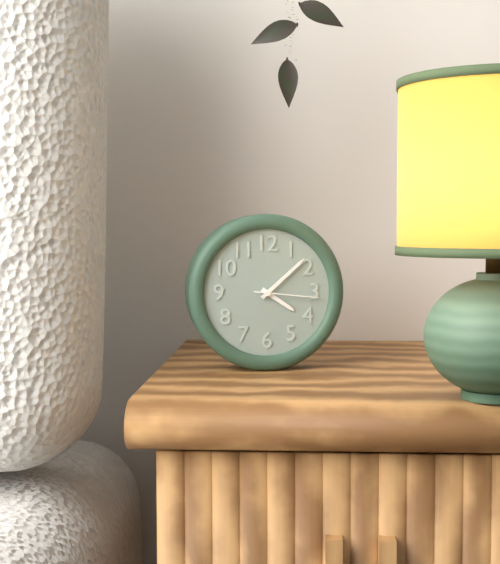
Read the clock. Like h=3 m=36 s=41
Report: h=4 m=8 s=16
